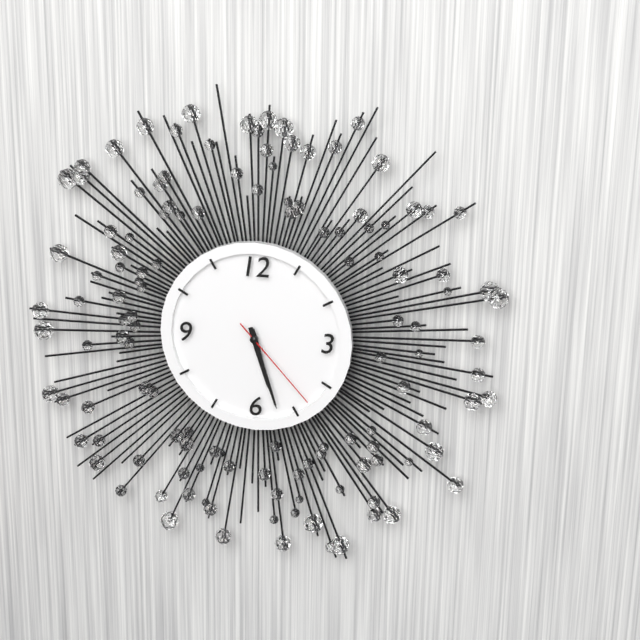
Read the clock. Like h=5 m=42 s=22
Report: h=5 m=27 s=23
